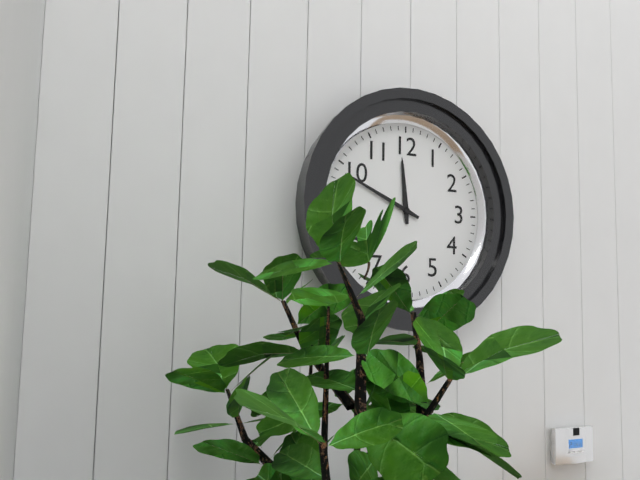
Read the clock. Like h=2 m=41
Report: h=11 m=49
